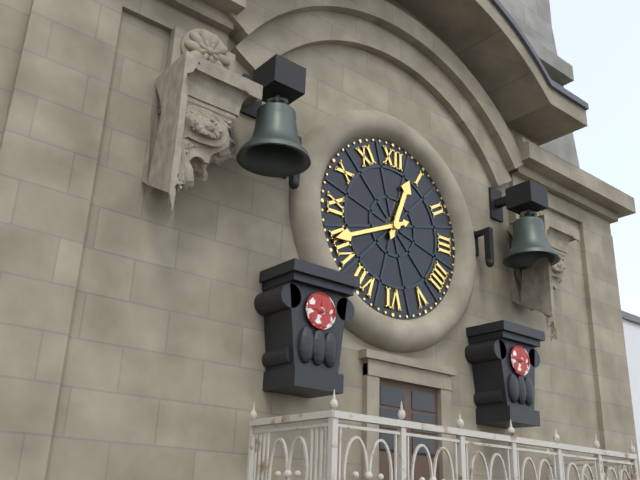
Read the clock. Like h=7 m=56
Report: h=12 m=41
